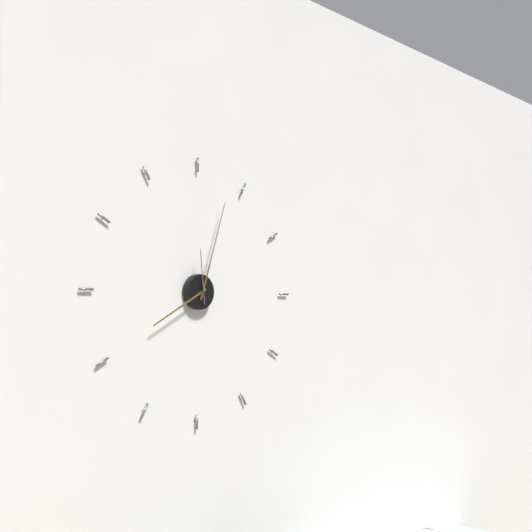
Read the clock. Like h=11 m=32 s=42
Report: h=8 m=3 s=59
